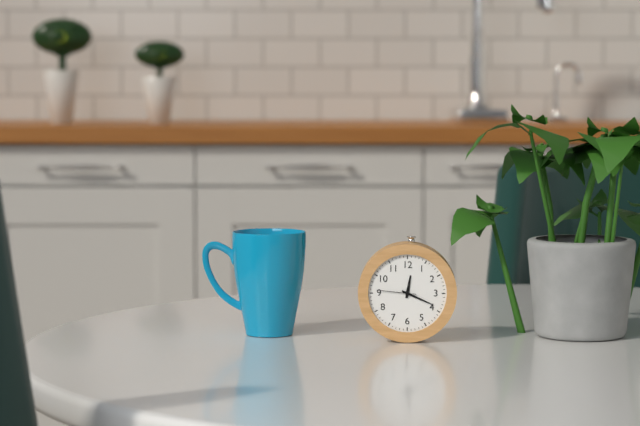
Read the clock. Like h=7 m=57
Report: h=12 m=19
